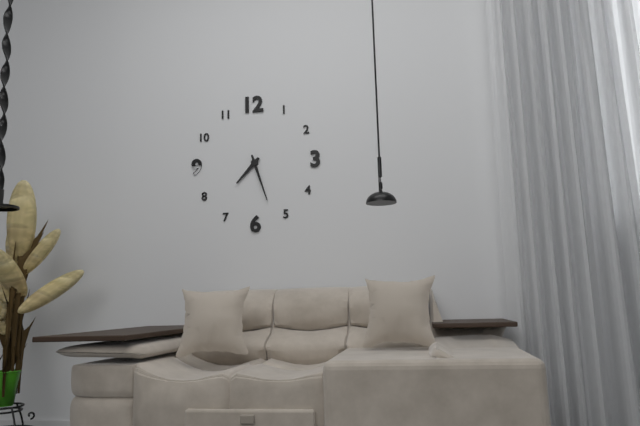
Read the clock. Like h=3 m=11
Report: h=7 m=27
